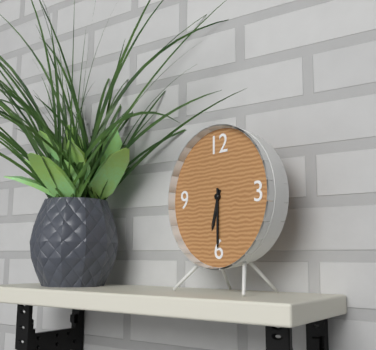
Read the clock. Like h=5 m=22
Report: h=6 m=30
